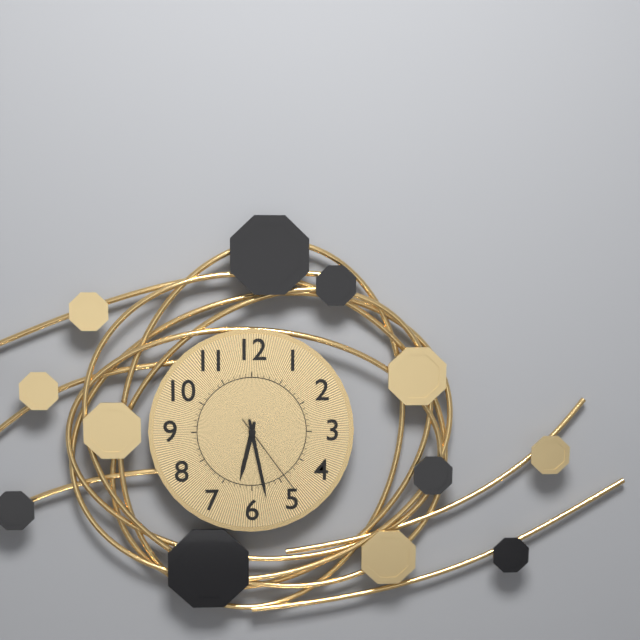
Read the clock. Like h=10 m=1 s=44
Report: h=6 m=28 s=24
